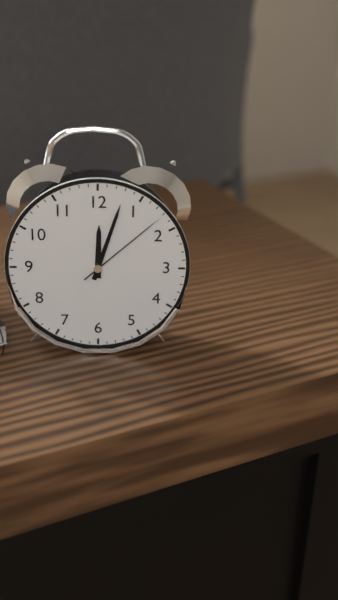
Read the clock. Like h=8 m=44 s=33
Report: h=12 m=3 s=8
